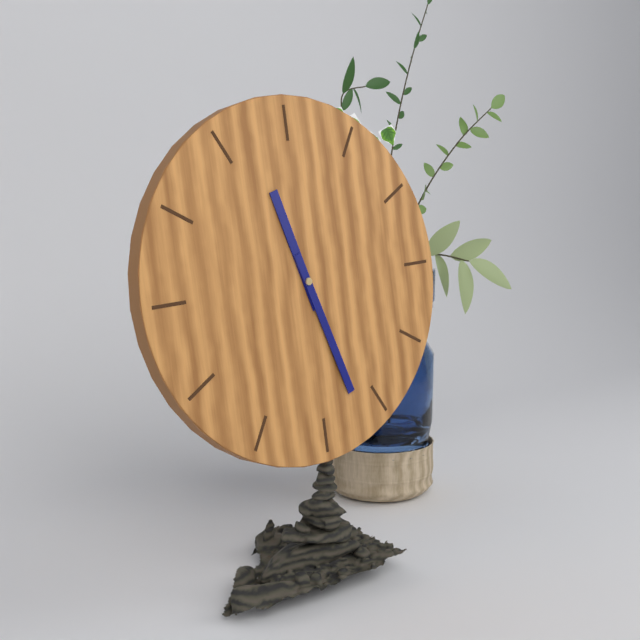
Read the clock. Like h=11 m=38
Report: h=11 m=27
